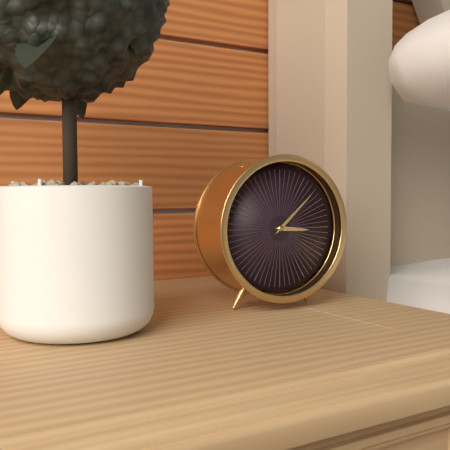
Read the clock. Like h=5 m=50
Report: h=3 m=8
